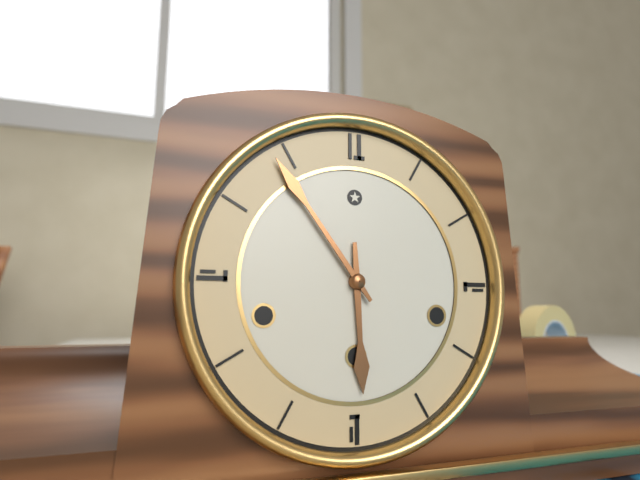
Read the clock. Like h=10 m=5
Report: h=5 m=54
